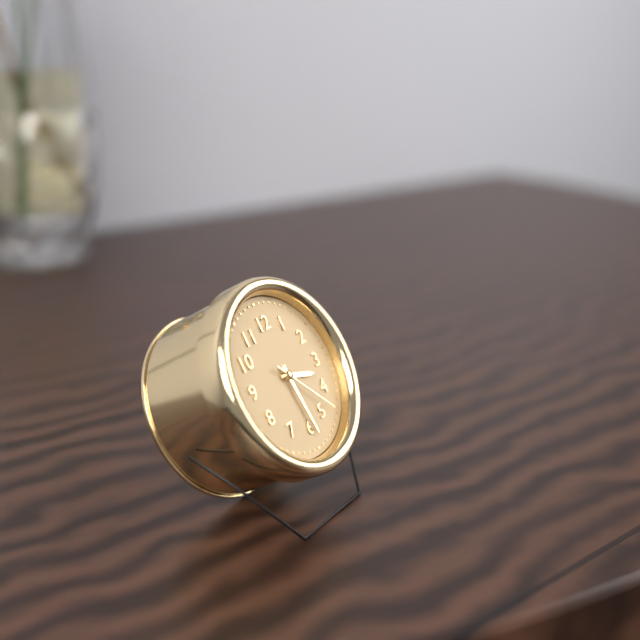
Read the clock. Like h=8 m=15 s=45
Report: h=3 m=29 s=23
